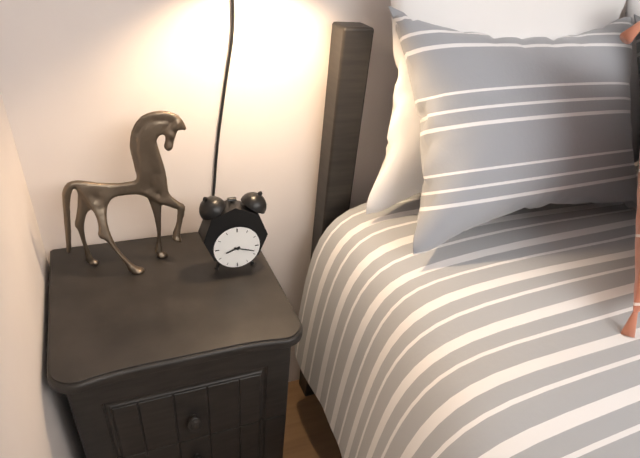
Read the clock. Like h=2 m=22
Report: h=8 m=18
